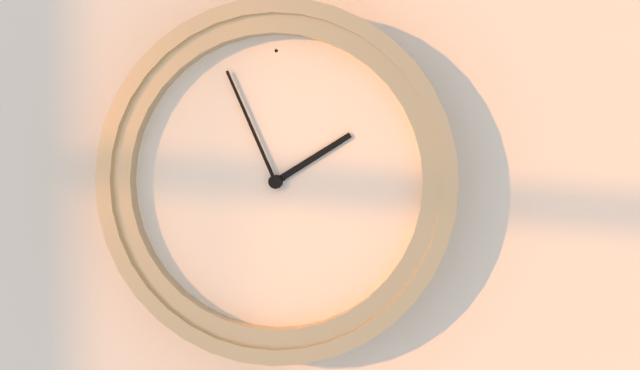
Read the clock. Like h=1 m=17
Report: h=1 m=56
